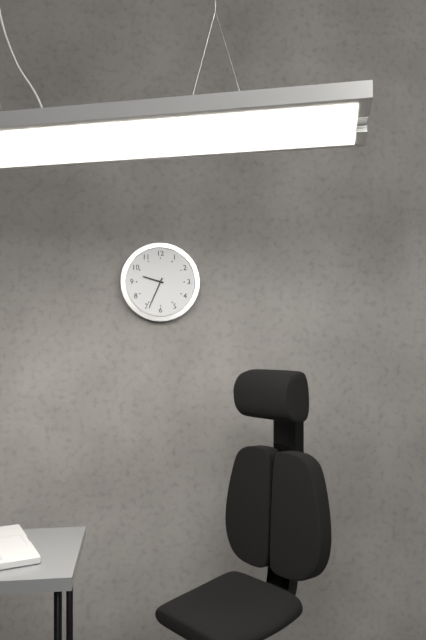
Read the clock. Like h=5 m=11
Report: h=9 m=34
